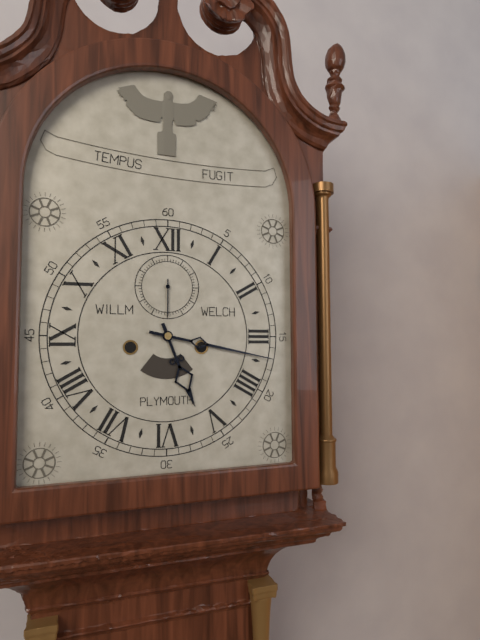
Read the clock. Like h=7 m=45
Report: h=5 m=17
